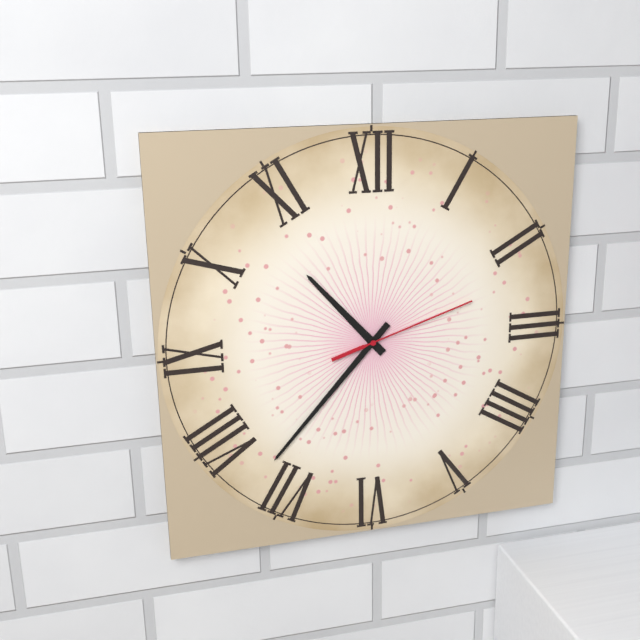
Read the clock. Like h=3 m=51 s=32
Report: h=10 m=37 s=12
